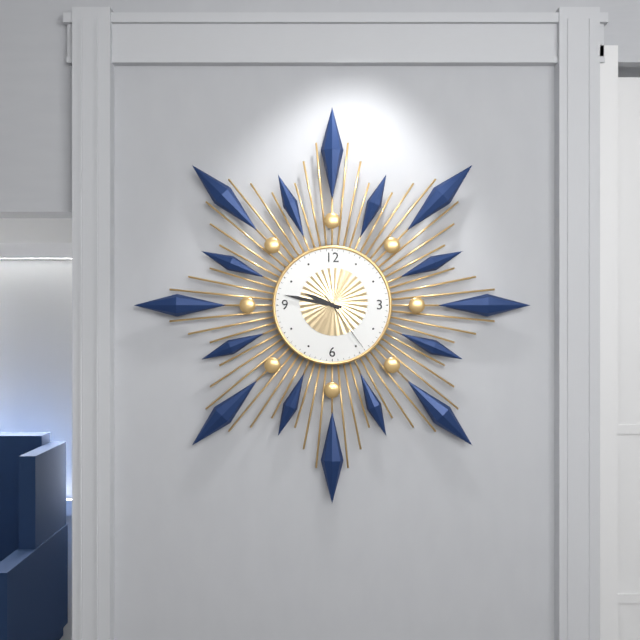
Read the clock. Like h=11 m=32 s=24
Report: h=9 m=47 s=24
